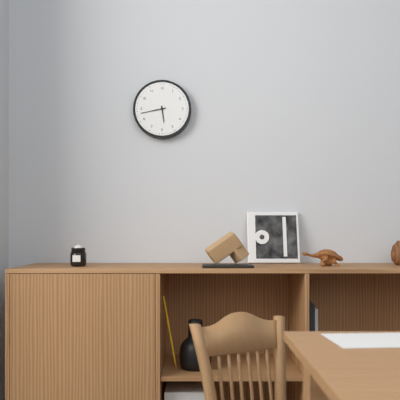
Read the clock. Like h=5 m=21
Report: h=5 m=43
